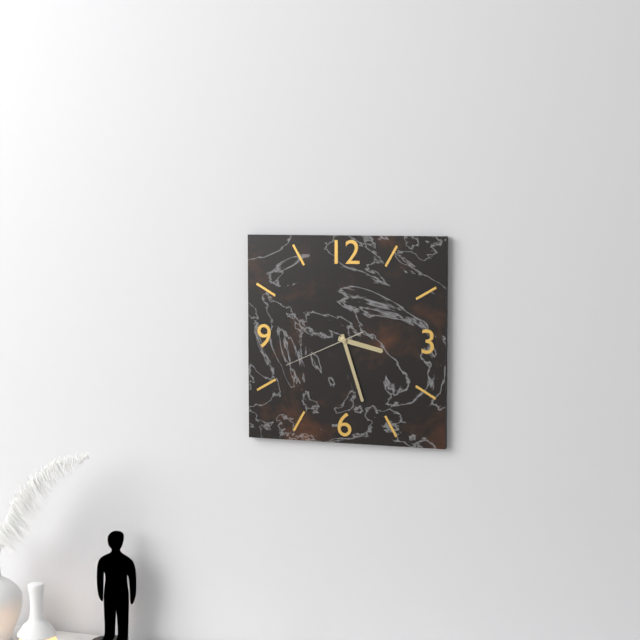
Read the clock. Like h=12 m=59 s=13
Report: h=3 m=27 s=41
